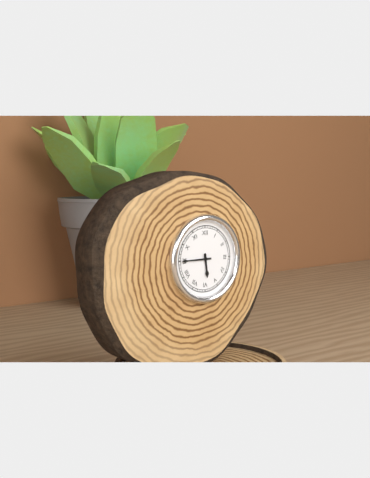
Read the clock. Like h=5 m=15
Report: h=5 m=45
